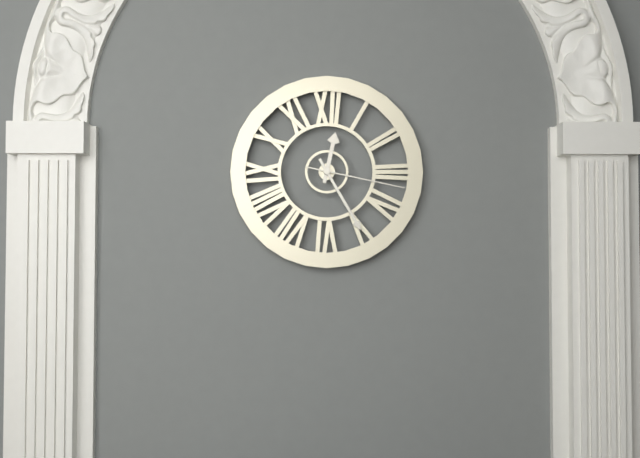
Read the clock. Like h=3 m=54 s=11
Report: h=12 m=25 s=17
